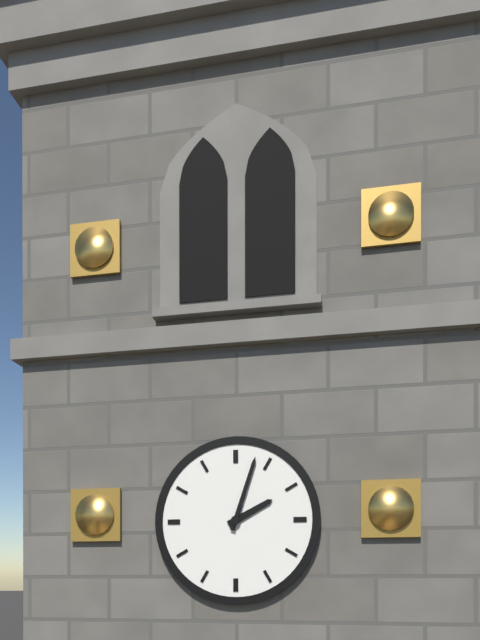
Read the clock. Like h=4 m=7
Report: h=2 m=3
